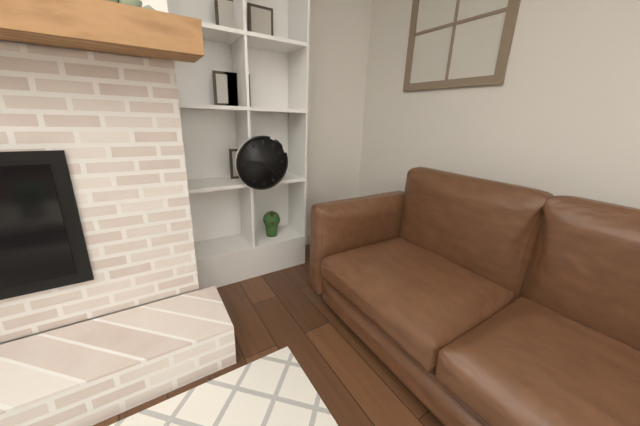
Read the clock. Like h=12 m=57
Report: h=9 m=22
